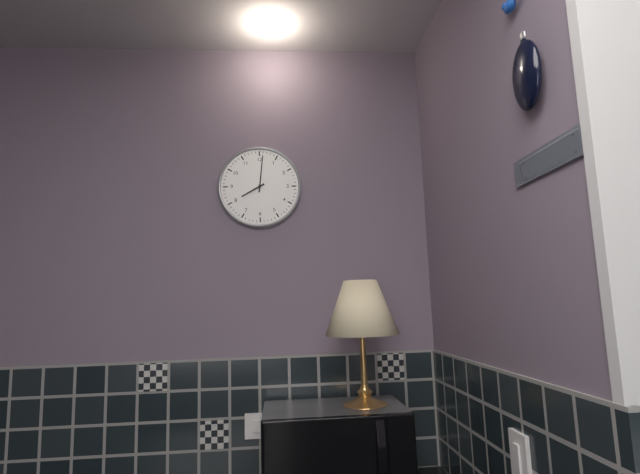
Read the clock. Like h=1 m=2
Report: h=8 m=1
